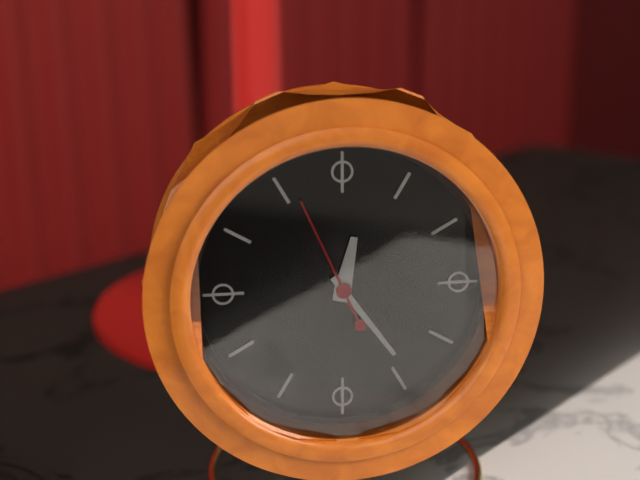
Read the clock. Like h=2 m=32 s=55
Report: h=12 m=24 s=56
